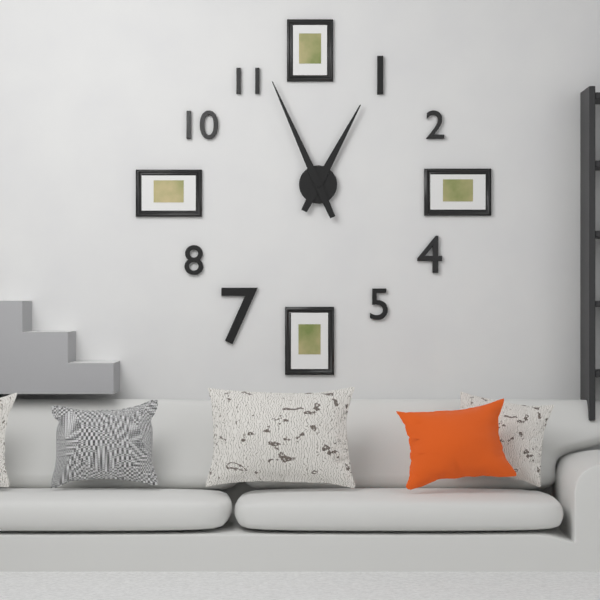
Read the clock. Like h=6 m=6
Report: h=12 m=56
